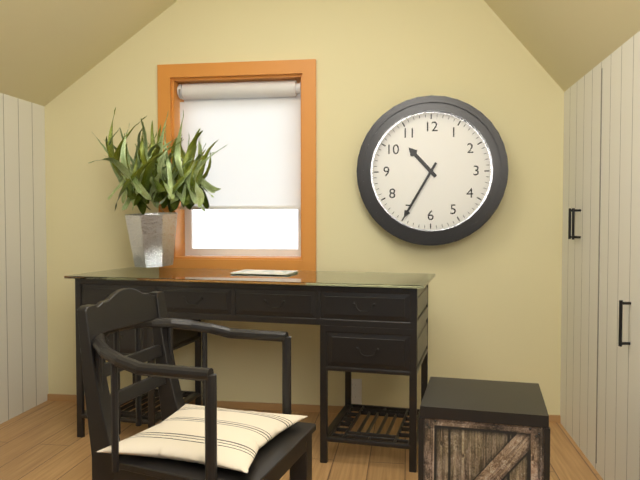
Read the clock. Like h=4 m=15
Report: h=10 m=35
